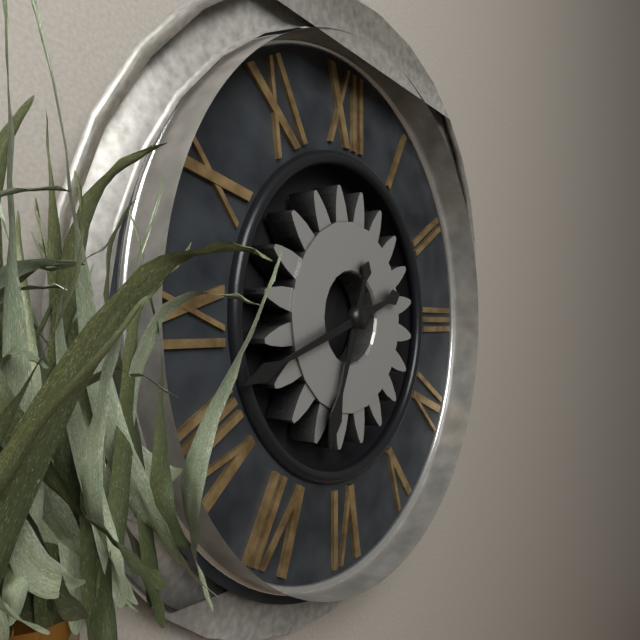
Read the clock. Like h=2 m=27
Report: h=6 m=42
